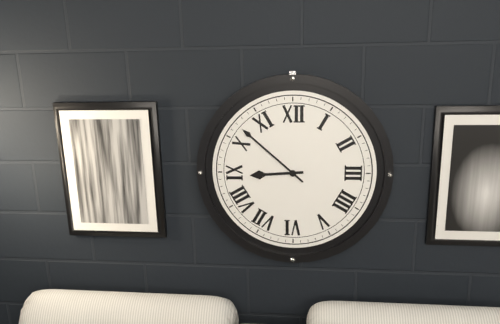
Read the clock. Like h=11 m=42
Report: h=8 m=52
